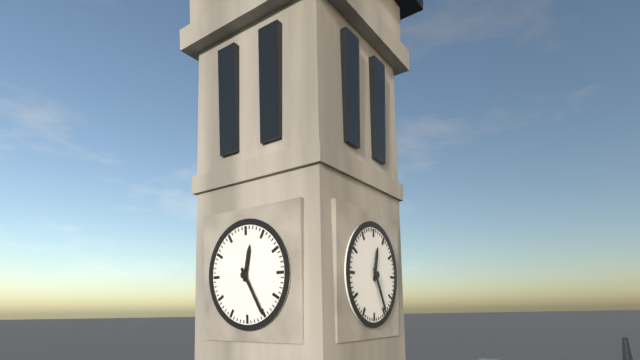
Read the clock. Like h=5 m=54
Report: h=12 m=25
